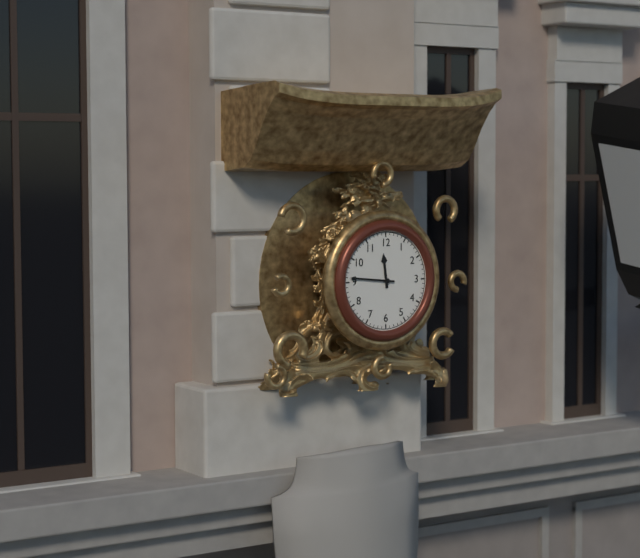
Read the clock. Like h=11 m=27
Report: h=11 m=46
